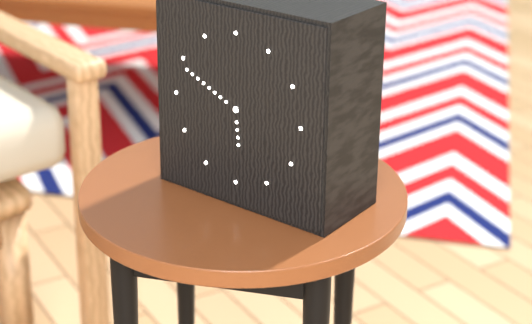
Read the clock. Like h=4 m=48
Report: h=5 m=49
